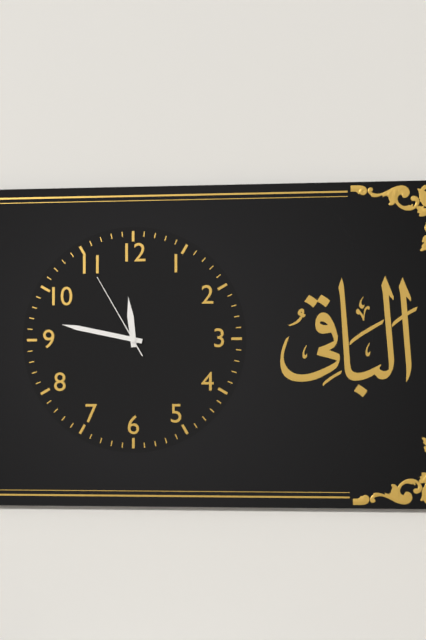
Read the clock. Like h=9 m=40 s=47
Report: h=11 m=47 s=55
